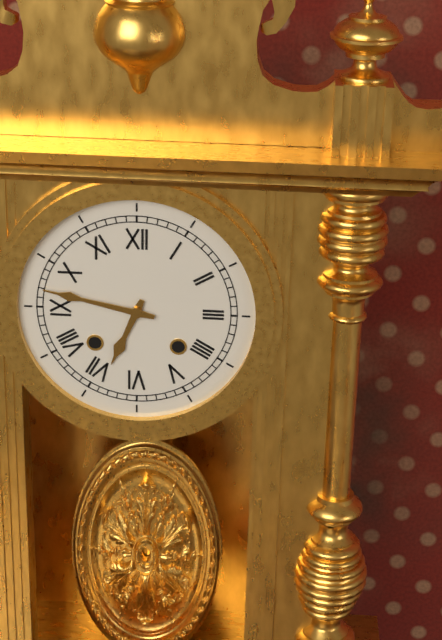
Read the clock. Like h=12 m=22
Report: h=6 m=47
